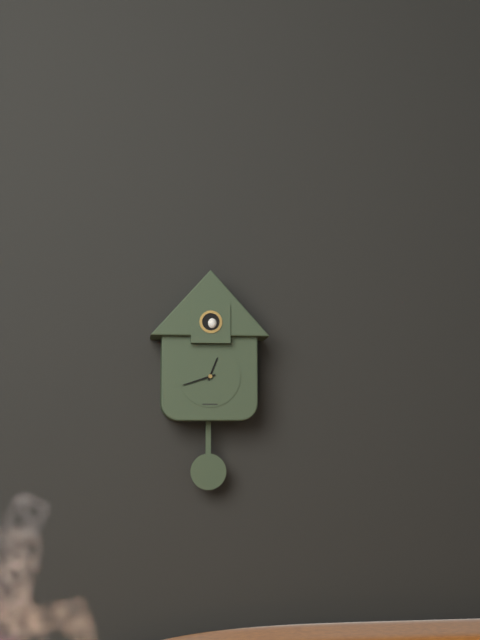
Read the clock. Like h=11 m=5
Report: h=12 m=42
